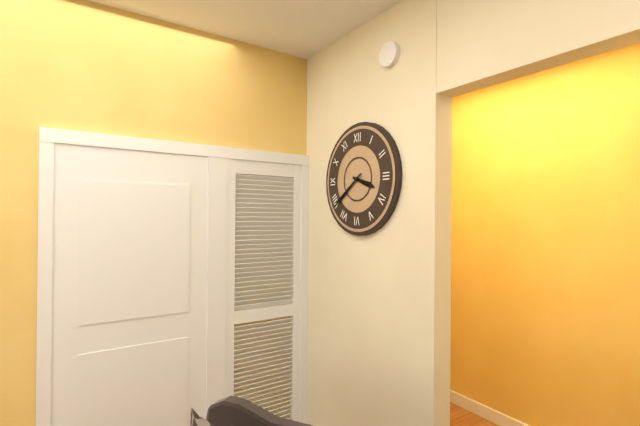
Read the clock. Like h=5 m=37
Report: h=3 m=39
